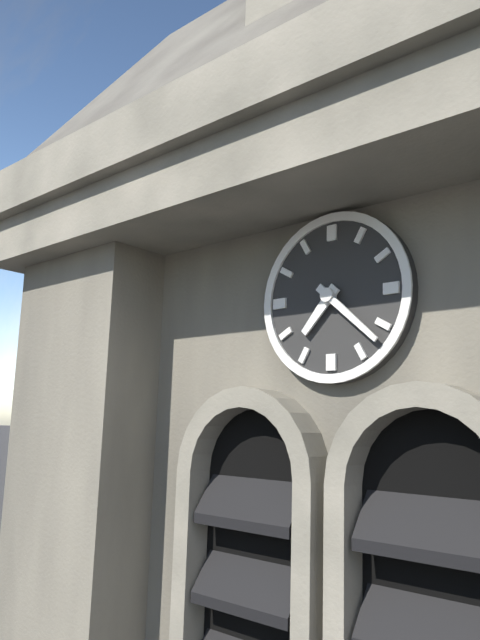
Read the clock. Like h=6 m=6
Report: h=7 m=22
